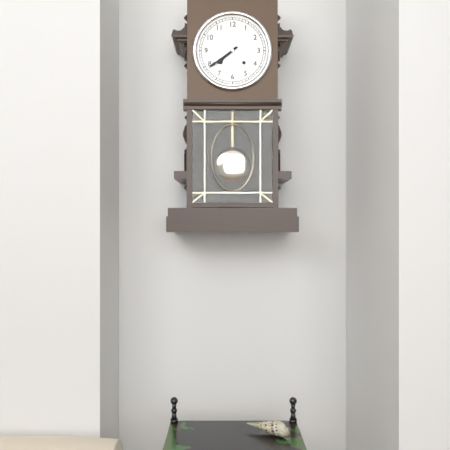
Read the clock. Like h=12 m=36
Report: h=7 m=39
